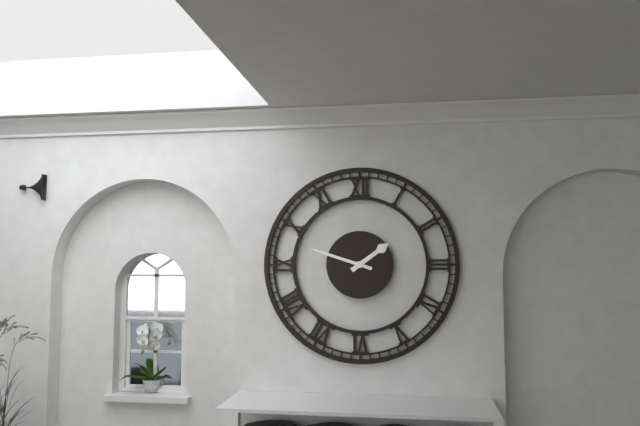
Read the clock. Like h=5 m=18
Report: h=1 m=48
